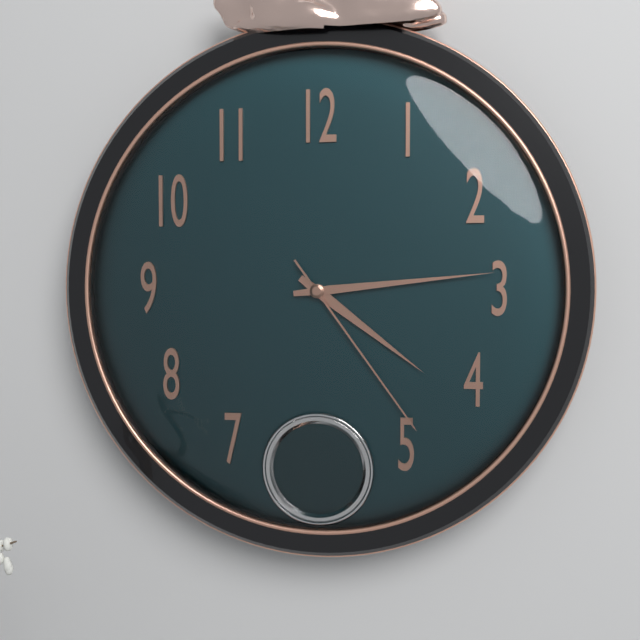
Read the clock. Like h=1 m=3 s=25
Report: h=4 m=14 s=24
